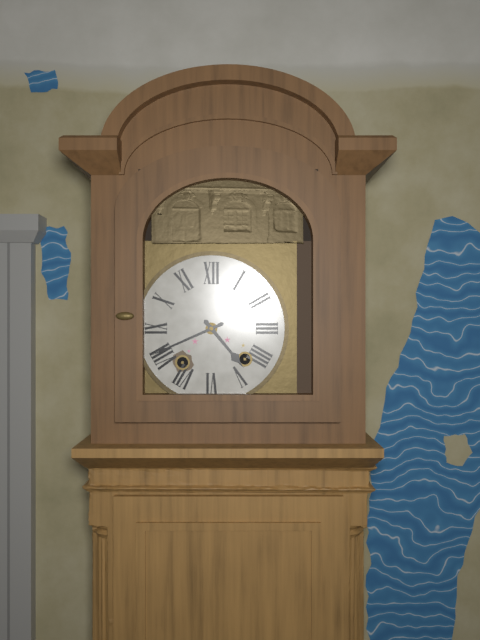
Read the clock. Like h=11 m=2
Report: h=4 m=41
